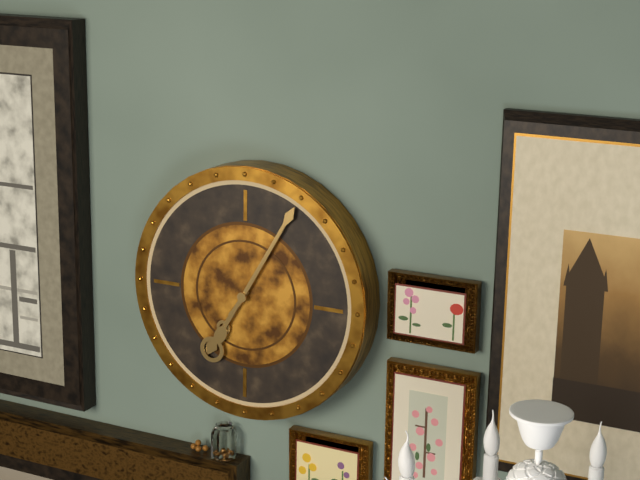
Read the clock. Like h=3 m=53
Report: h=7 m=5
